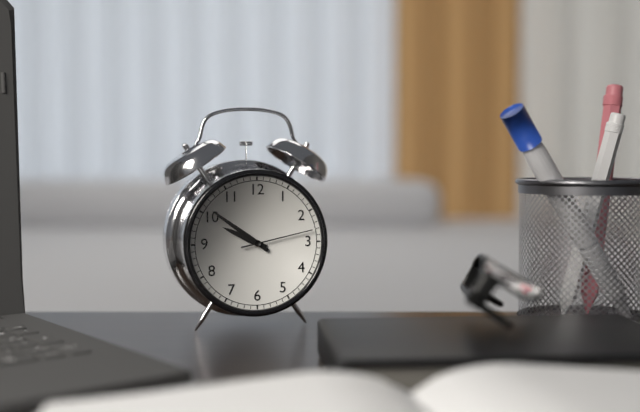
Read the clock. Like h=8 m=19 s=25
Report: h=9 m=51 s=13
